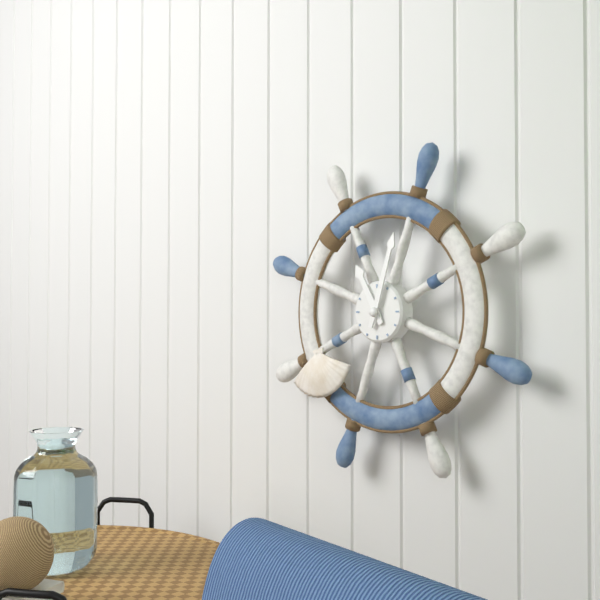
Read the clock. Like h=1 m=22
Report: h=11 m=3
